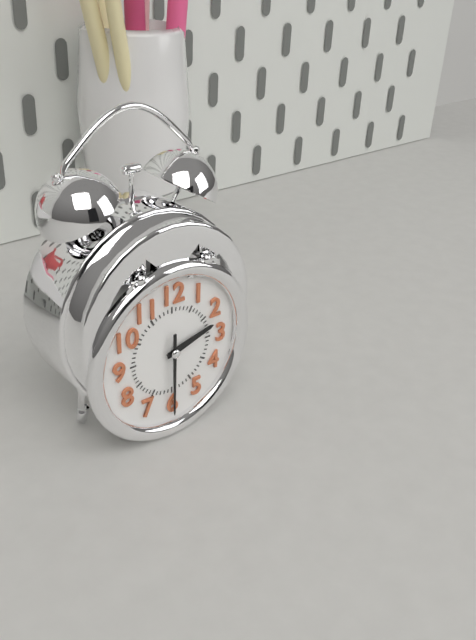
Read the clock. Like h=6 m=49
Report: h=2 m=30
